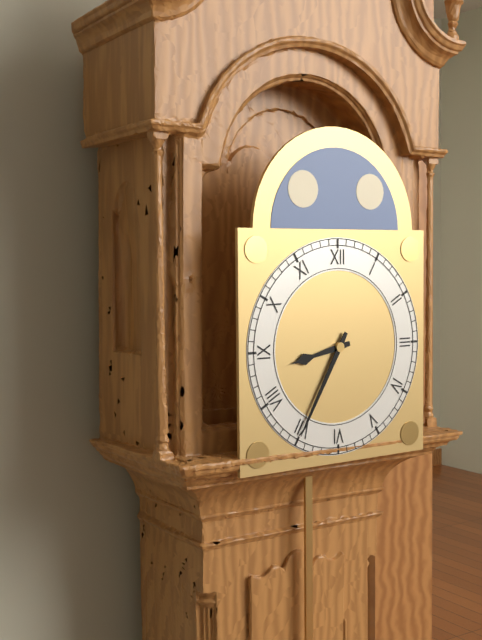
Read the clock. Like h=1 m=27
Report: h=8 m=35
